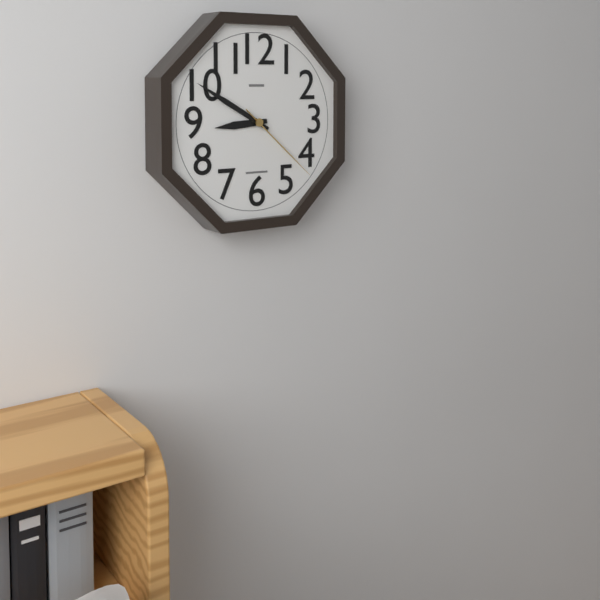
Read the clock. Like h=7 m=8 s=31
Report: h=8 m=50 s=22
